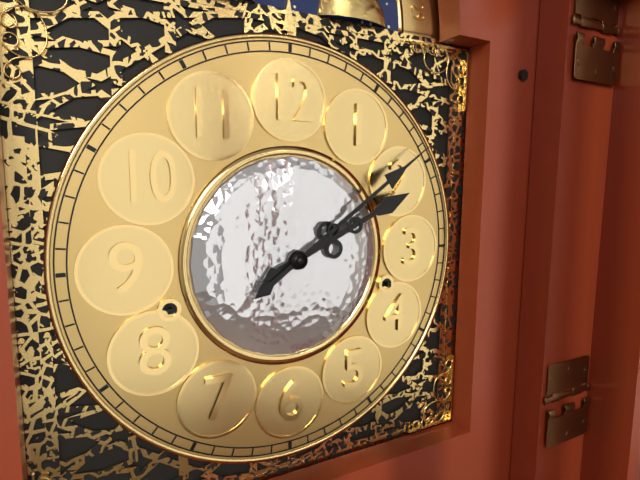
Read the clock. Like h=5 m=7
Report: h=2 m=9
